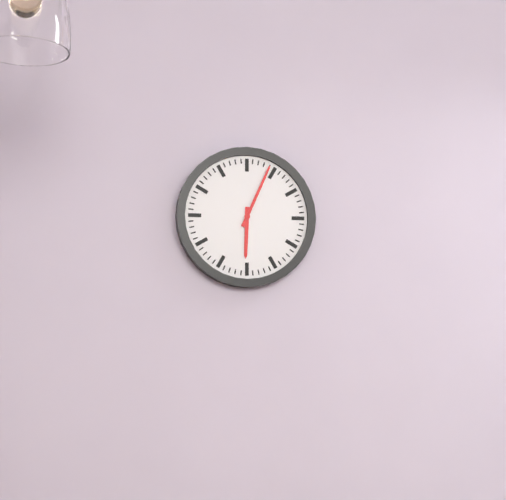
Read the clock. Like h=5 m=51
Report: h=6 m=4
